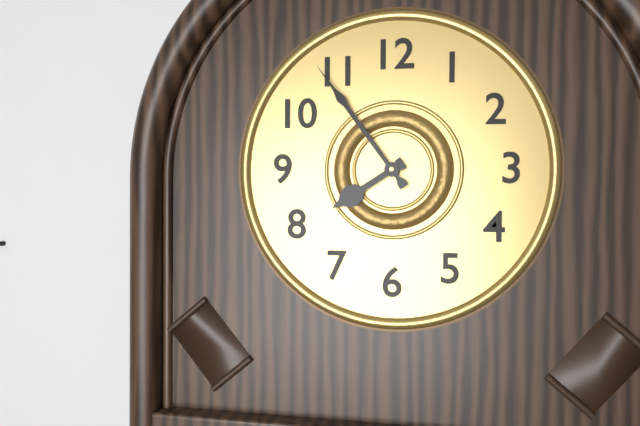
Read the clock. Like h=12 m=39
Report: h=7 m=54
